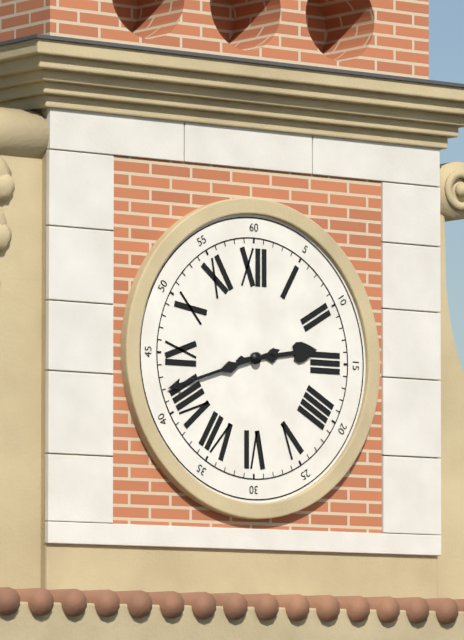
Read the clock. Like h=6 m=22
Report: h=2 m=42
